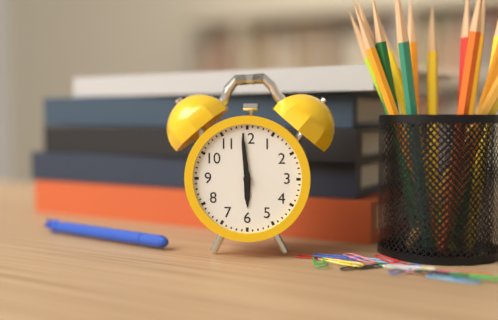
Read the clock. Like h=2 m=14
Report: h=5 m=59
